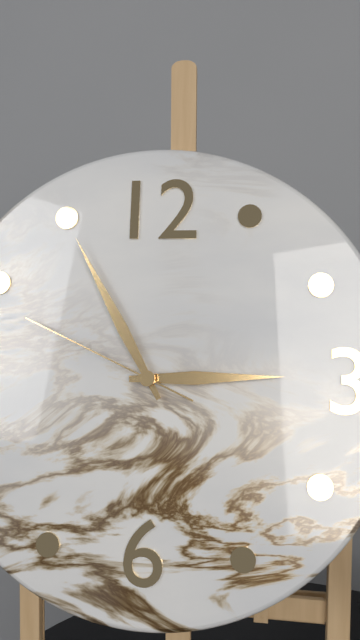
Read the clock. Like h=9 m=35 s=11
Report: h=2 m=55 s=49
